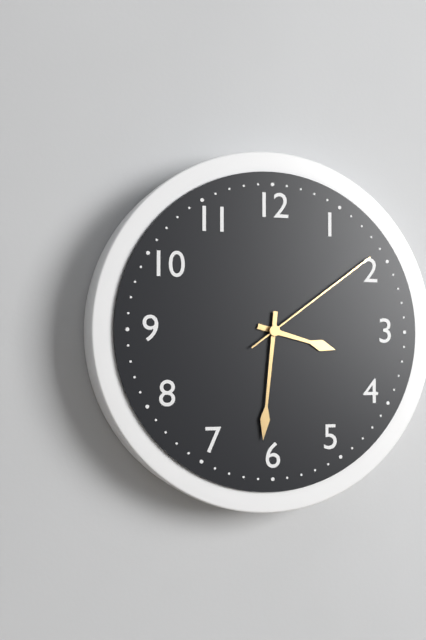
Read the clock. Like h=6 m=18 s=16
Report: h=3 m=31 s=9
